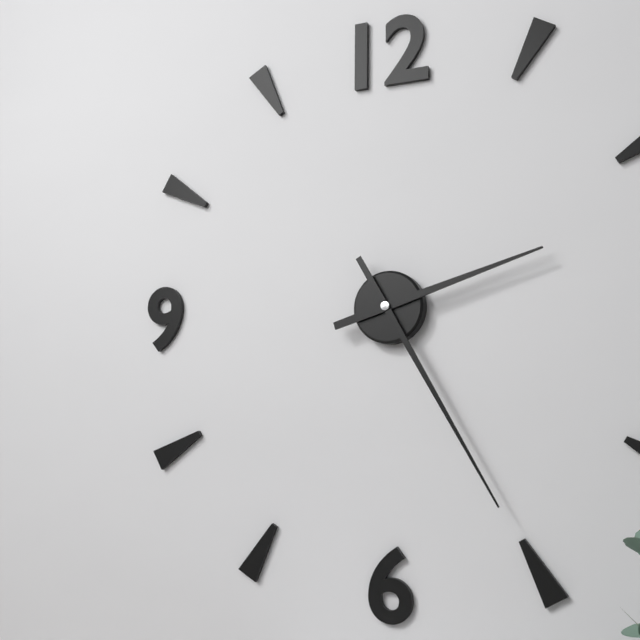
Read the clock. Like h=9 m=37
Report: h=2 m=25
